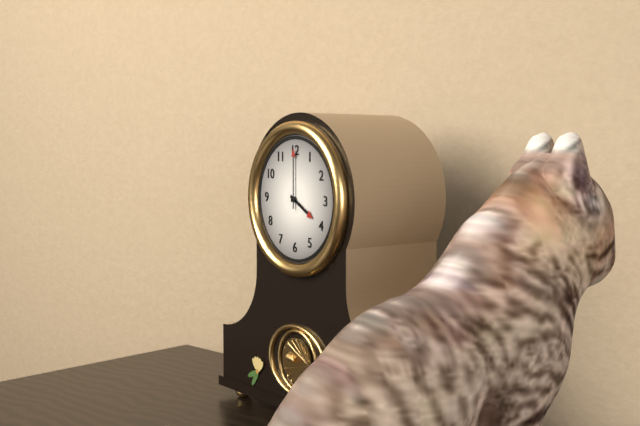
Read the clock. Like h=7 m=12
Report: h=4 m=0
